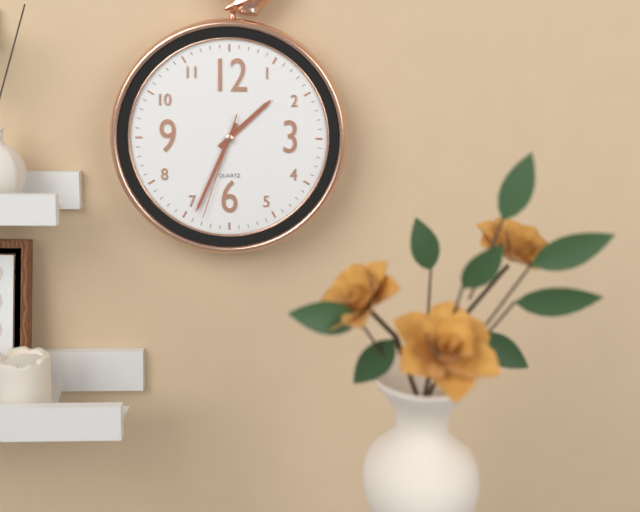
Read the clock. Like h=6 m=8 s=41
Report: h=1 m=34 s=33
